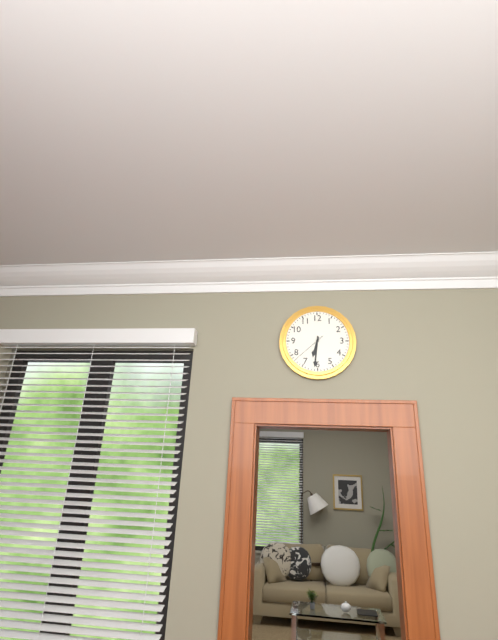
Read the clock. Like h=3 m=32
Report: h=6 m=31
